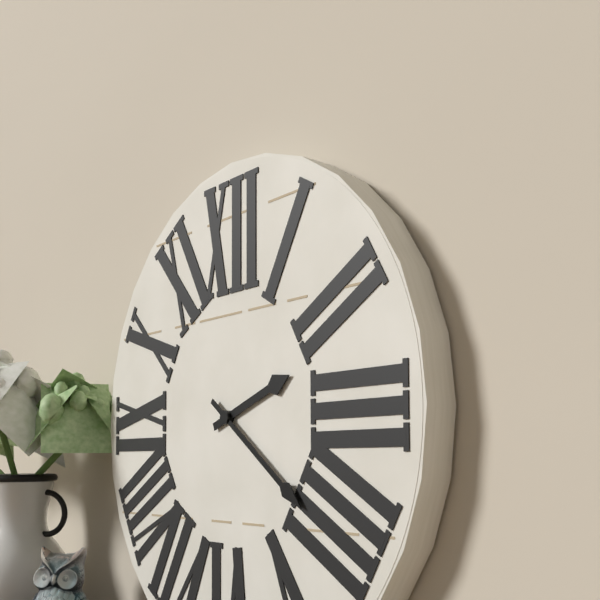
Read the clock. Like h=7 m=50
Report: h=2 m=21
